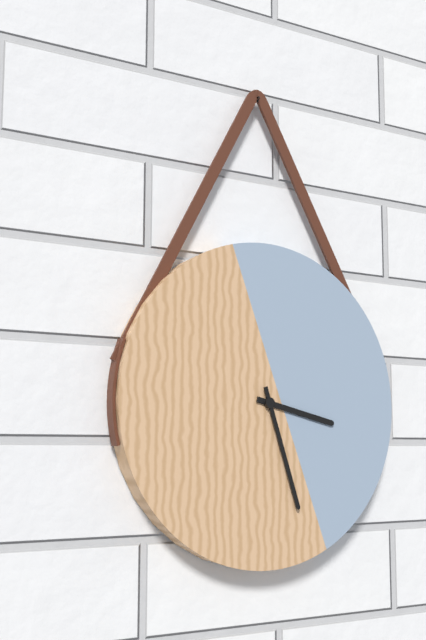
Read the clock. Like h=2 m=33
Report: h=3 m=27
